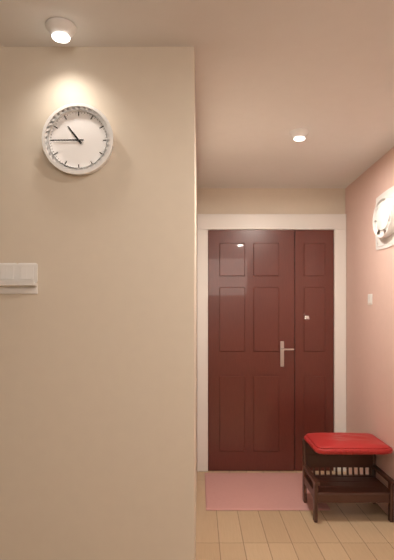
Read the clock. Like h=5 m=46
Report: h=10 m=45
